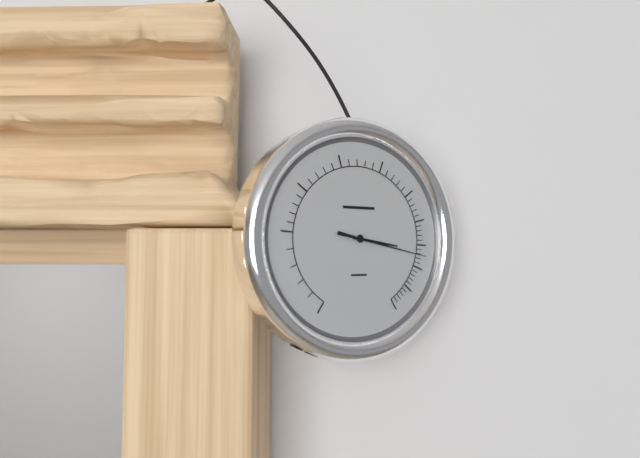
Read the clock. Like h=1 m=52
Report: h=3 m=17
